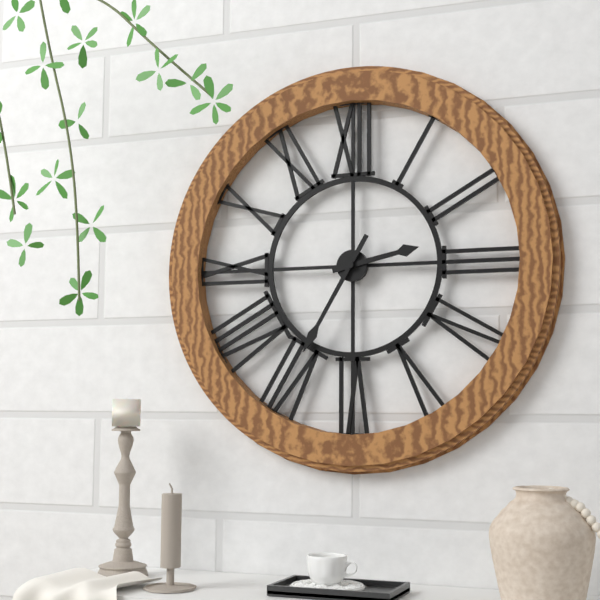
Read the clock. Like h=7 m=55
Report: h=2 m=35
